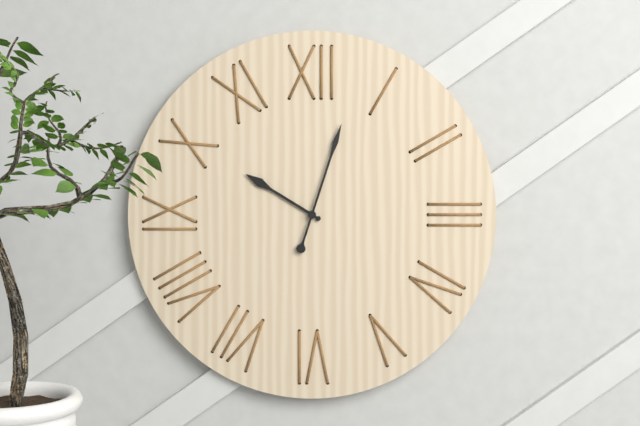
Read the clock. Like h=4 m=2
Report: h=10 m=3
